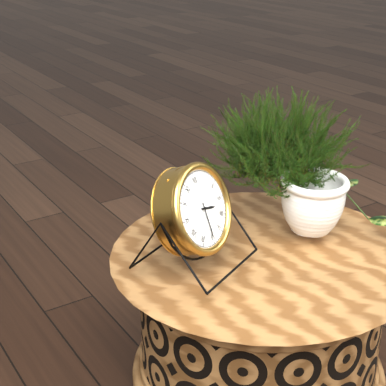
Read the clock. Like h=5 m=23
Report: h=3 m=30
